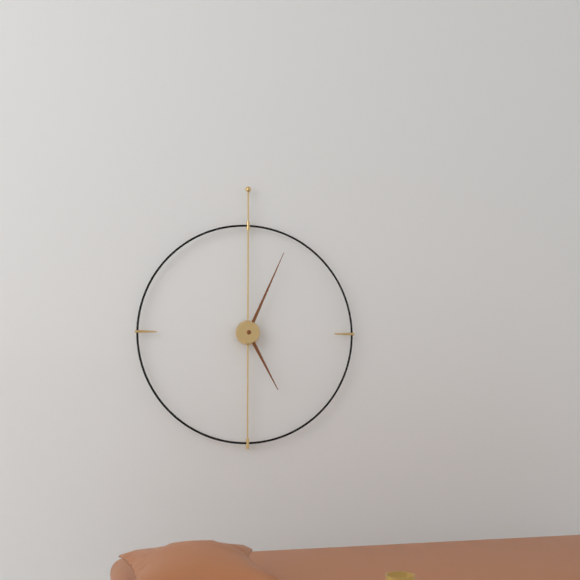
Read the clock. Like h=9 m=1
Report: h=5 m=4
